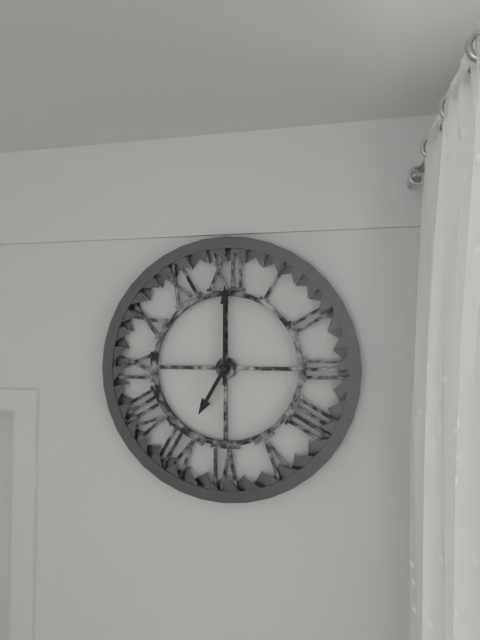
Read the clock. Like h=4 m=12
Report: h=7 m=0
